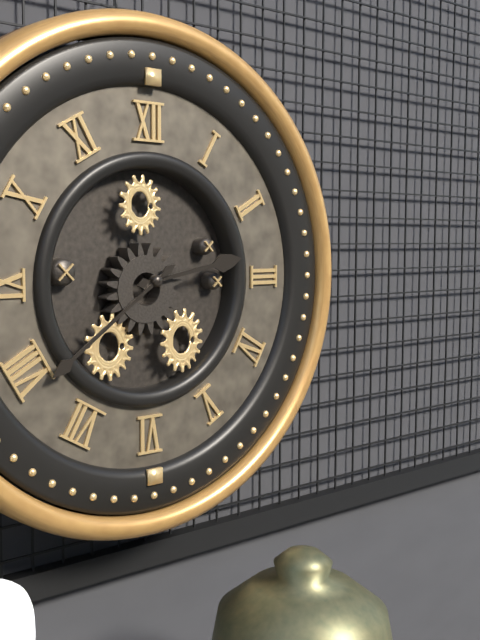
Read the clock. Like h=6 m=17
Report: h=2 m=39
